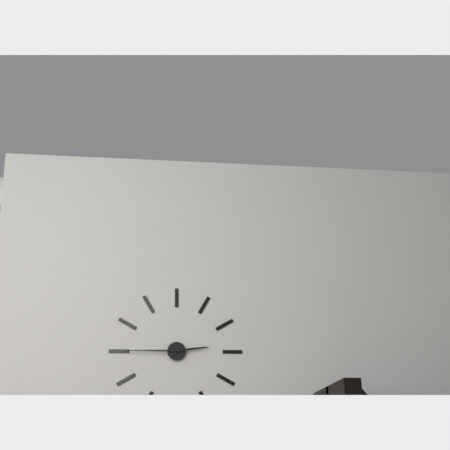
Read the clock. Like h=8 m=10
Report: h=2 m=45
